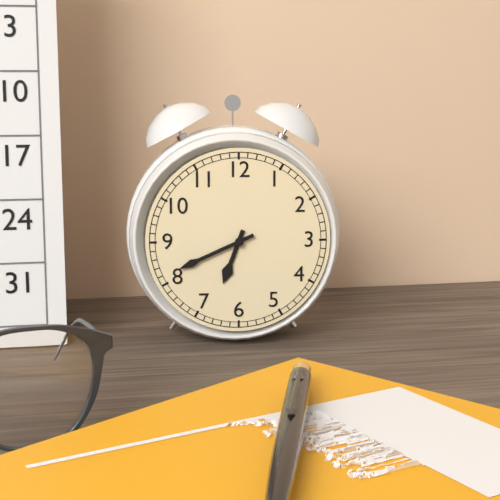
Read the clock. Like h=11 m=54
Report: h=6 m=41
